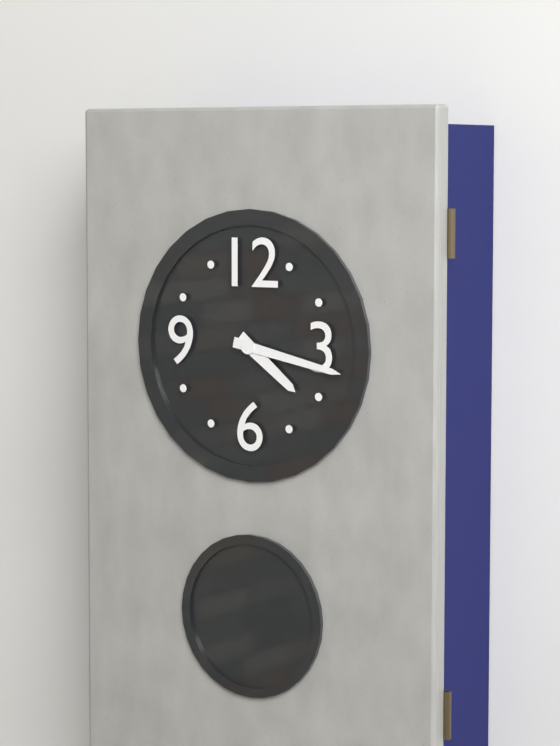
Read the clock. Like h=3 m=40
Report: h=4 m=17
